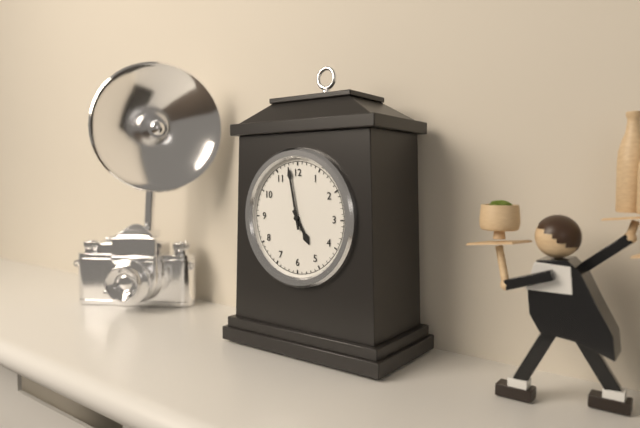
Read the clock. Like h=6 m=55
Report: h=4 m=58
